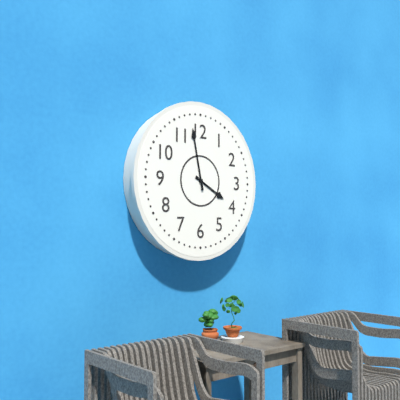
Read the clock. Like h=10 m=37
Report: h=3 m=58
